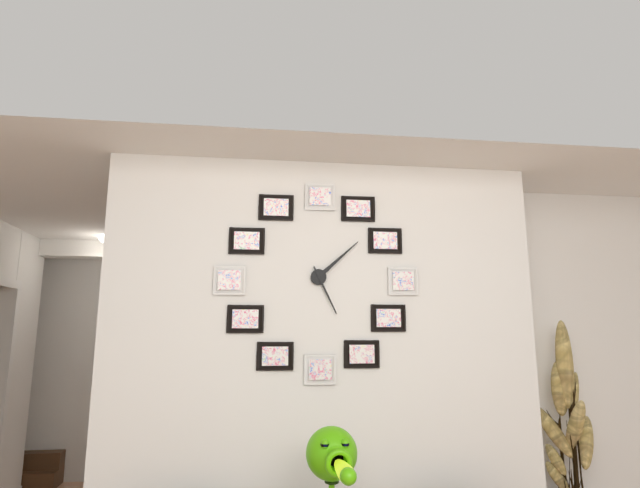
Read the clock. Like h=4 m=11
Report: h=5 m=8
